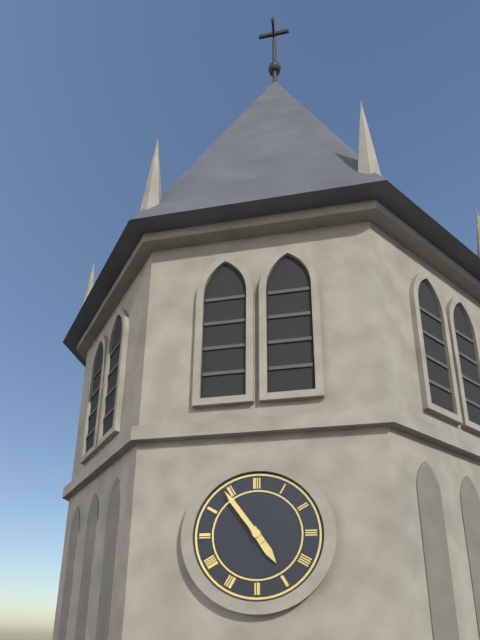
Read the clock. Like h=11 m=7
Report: h=4 m=54
